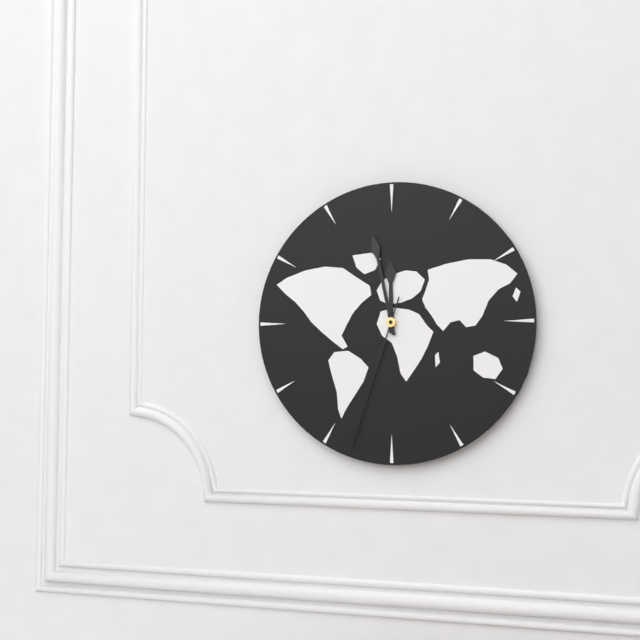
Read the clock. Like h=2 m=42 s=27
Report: h=11 m=58 s=33
